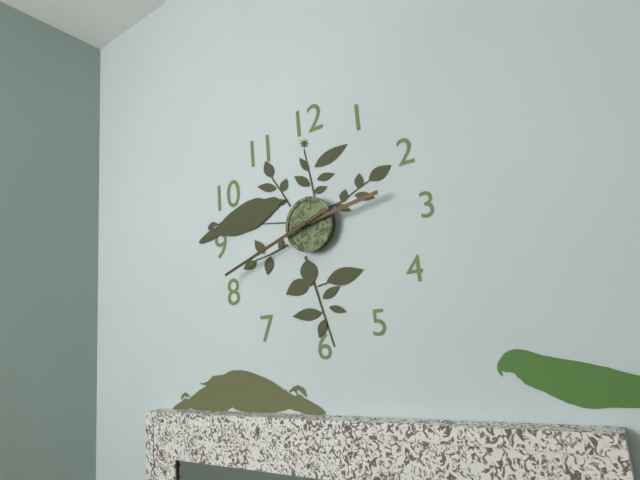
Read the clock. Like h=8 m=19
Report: h=2 m=42
